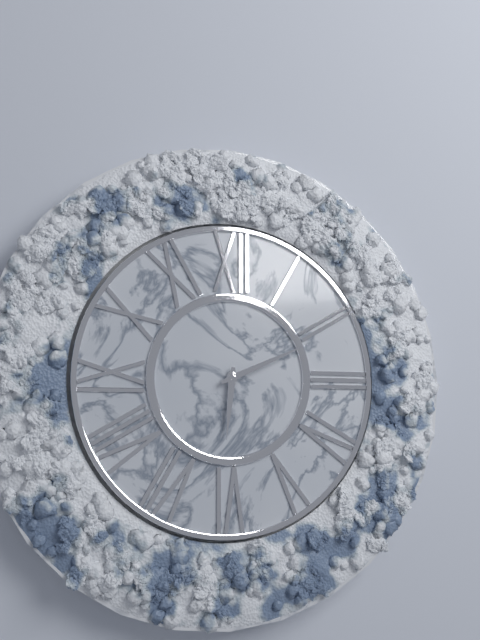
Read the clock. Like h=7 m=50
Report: h=6 m=11
